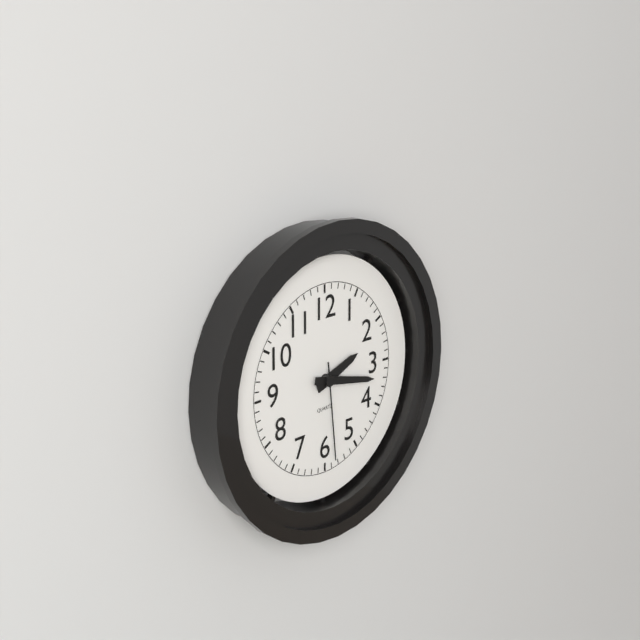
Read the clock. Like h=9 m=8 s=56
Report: h=2 m=17 s=29
